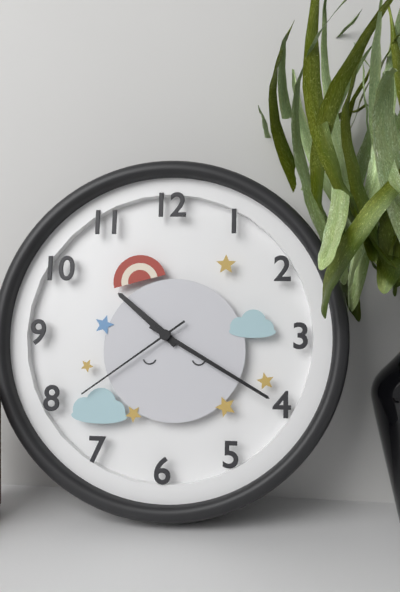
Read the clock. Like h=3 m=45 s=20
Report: h=10 m=20 s=39
